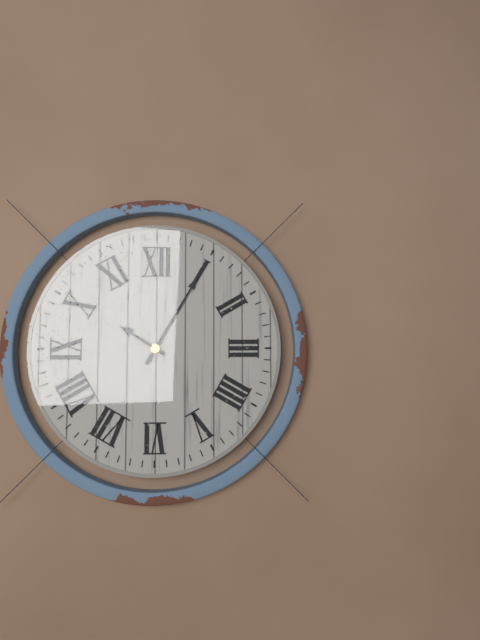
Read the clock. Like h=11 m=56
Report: h=10 m=5
